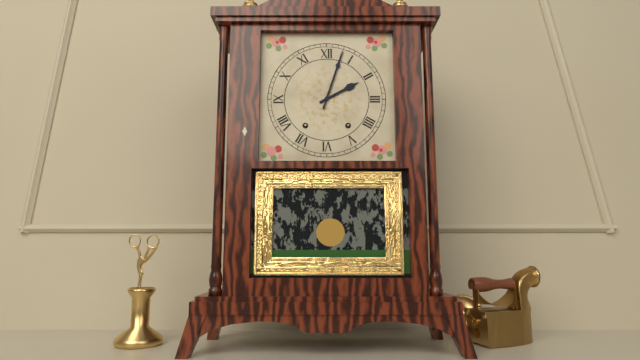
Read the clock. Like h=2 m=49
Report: h=2 m=3
